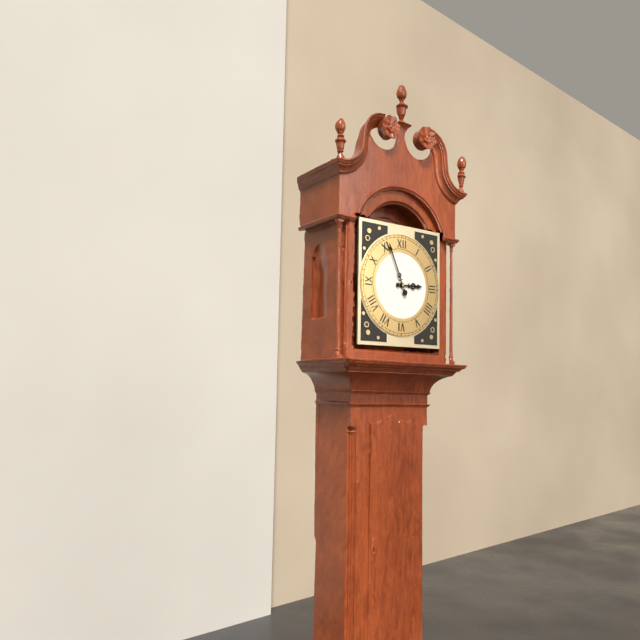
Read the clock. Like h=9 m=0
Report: h=2 m=56
